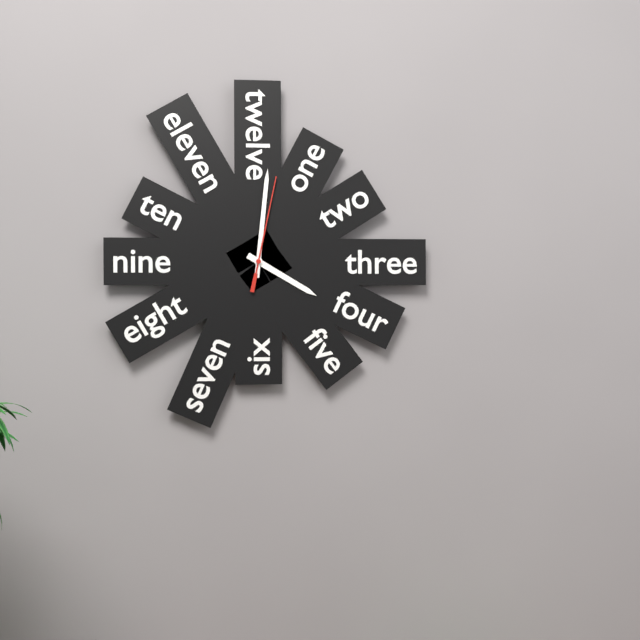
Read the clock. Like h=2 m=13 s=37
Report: h=4 m=1 s=2
